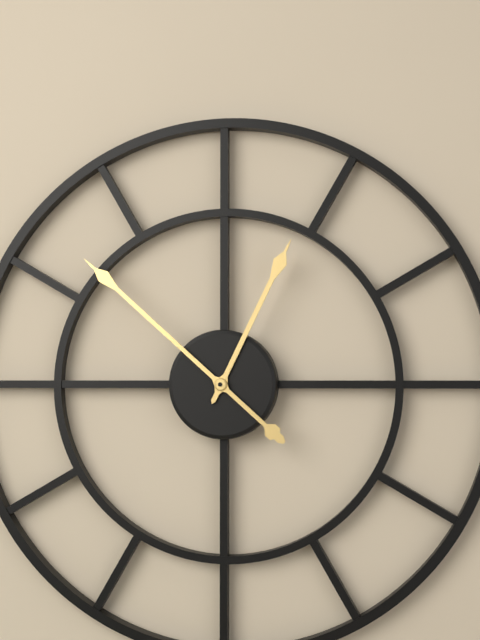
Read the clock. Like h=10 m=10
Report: h=12 m=52
